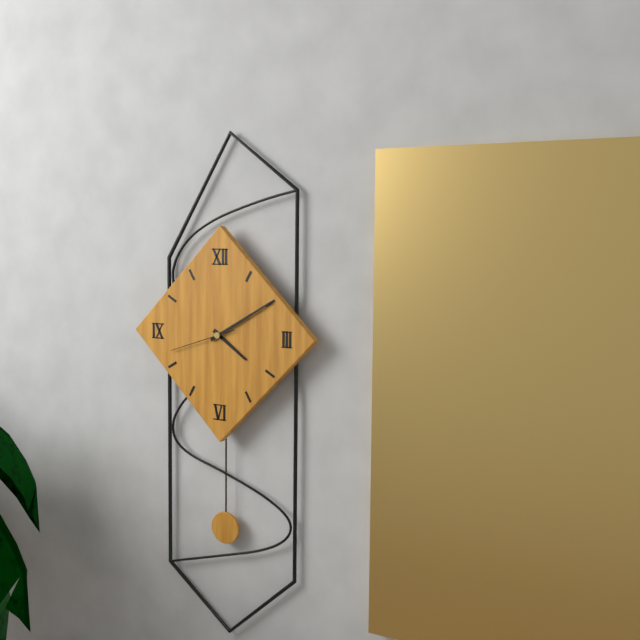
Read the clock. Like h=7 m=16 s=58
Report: h=4 m=10 s=42
